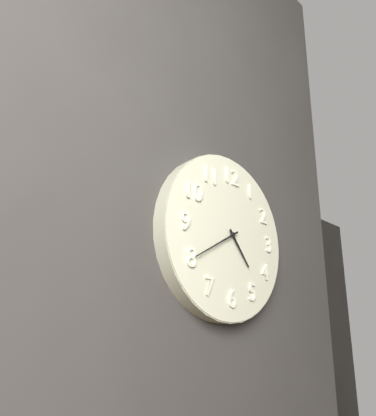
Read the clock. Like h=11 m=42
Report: h=4 m=40
